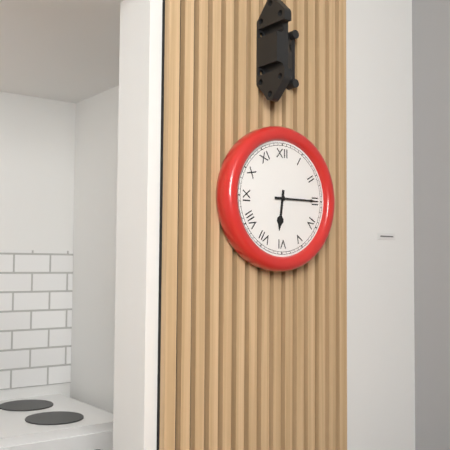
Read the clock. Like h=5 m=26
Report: h=6 m=15
